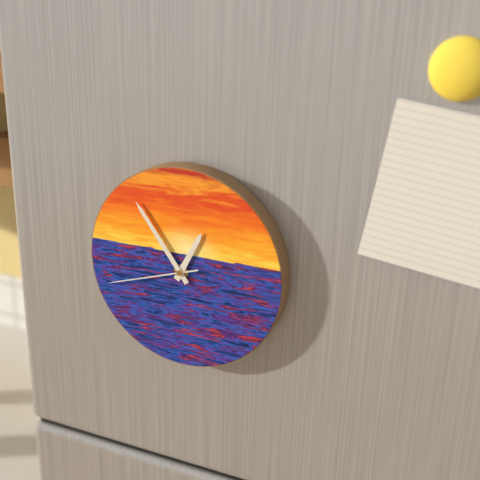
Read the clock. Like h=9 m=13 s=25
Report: h=12 m=54 s=42
